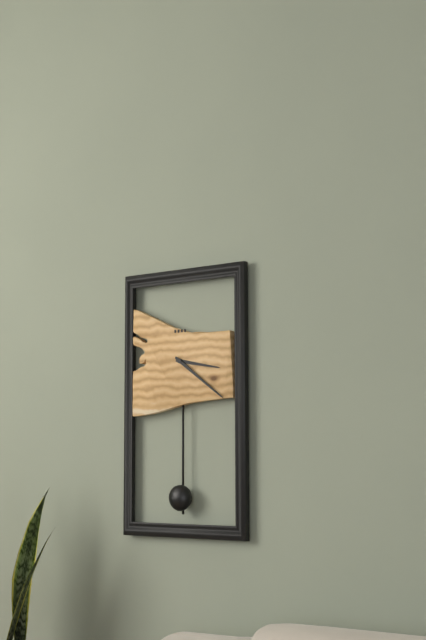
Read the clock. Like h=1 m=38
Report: h=3 m=21
